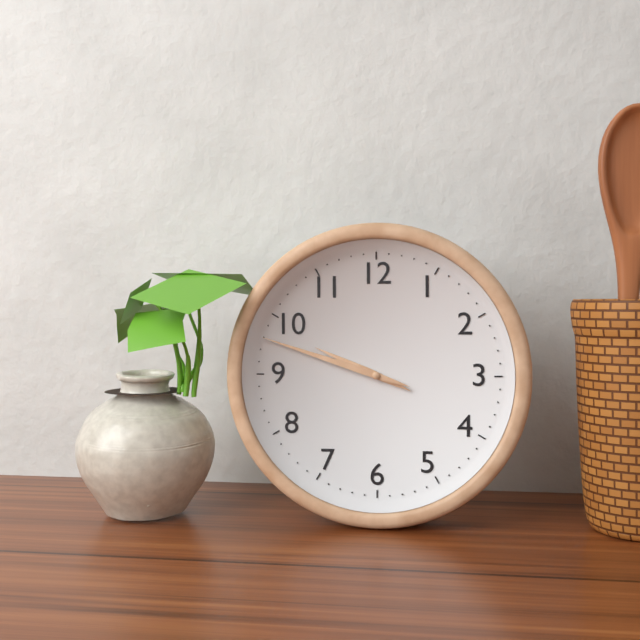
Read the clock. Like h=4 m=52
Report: h=9 m=48
